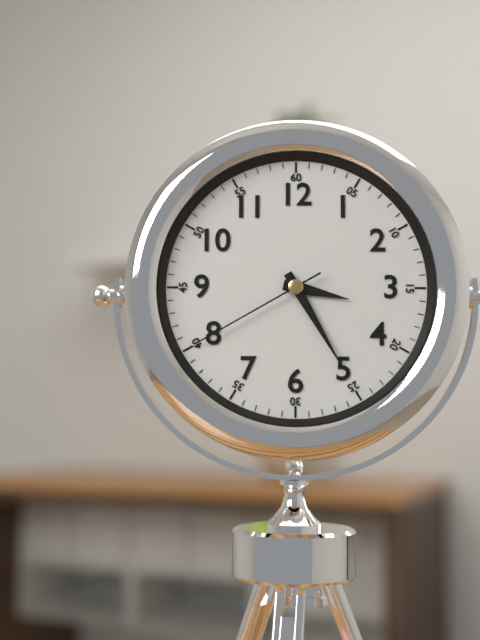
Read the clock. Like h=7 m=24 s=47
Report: h=3 m=25 s=40
